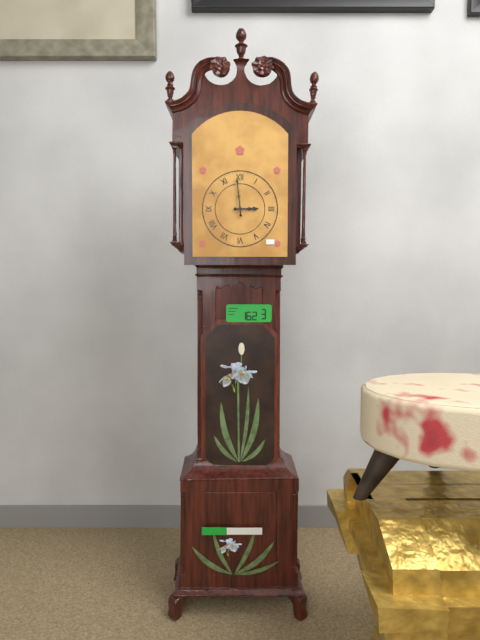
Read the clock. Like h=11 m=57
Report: h=2 m=59
